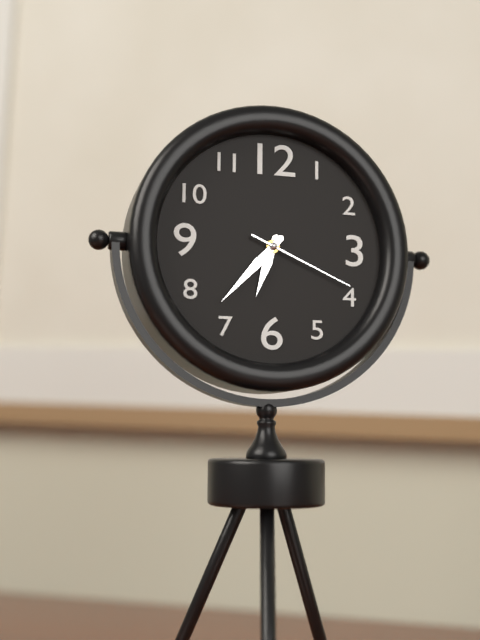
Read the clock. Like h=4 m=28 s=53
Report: h=6 m=37 s=19
